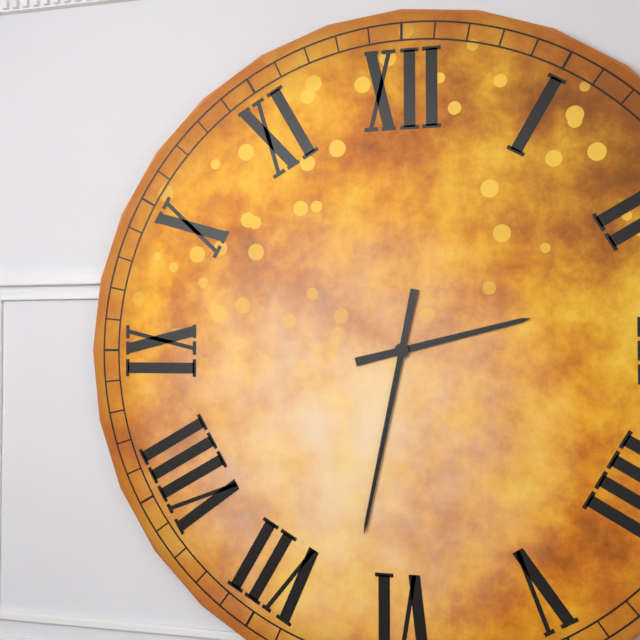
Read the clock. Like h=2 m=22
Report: h=2 m=32
